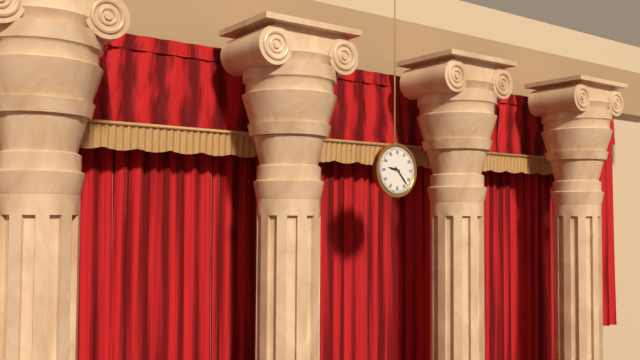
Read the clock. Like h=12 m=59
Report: h=9 m=23
